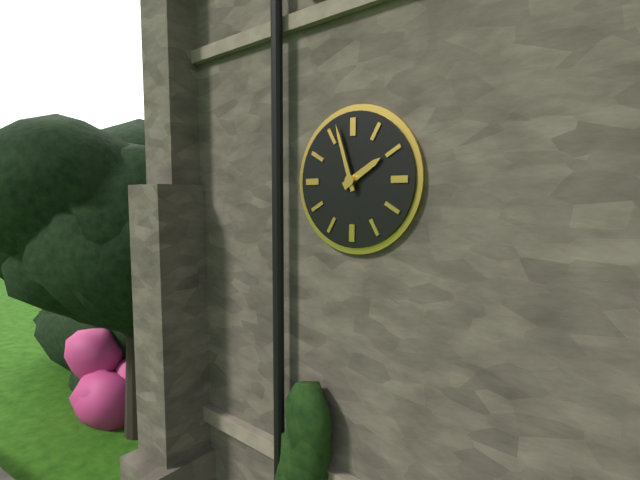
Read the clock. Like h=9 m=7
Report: h=1 m=57
